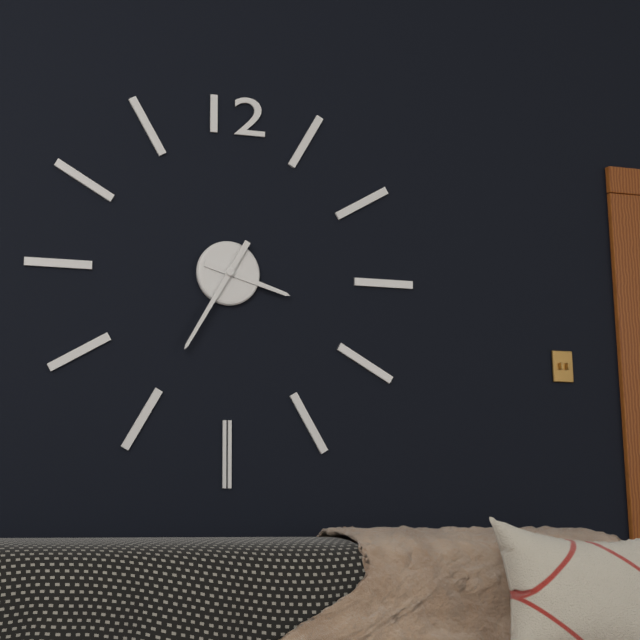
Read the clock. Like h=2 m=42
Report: h=3 m=35
